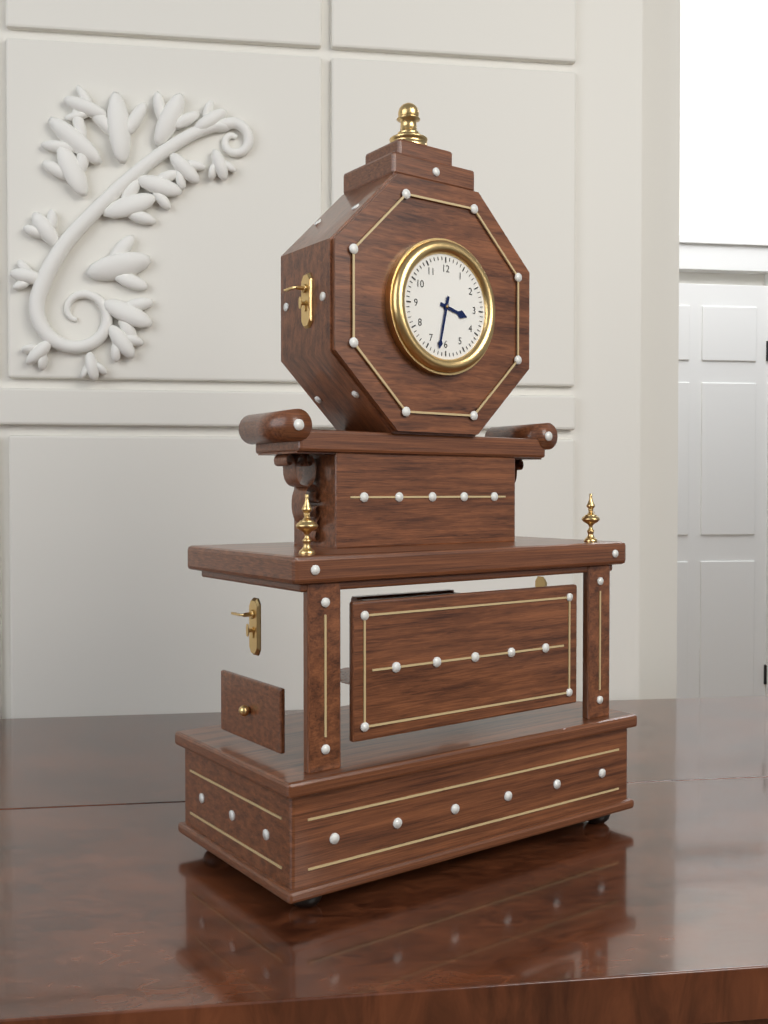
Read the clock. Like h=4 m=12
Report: h=3 m=32
